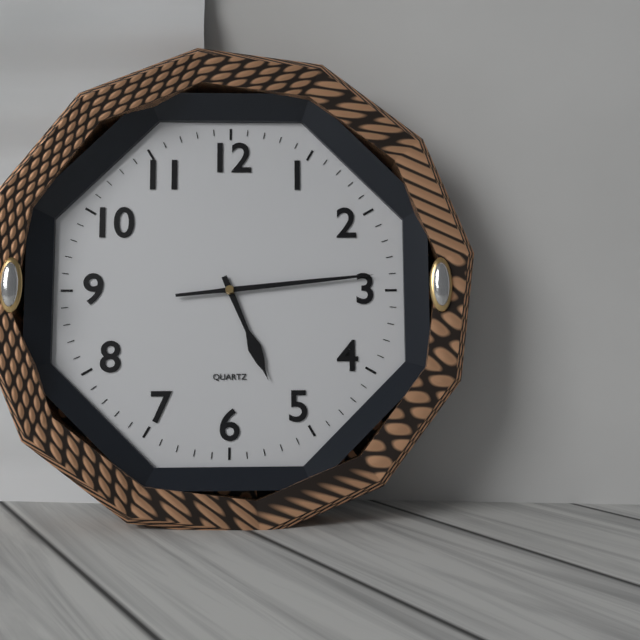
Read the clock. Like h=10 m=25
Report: h=5 m=14
